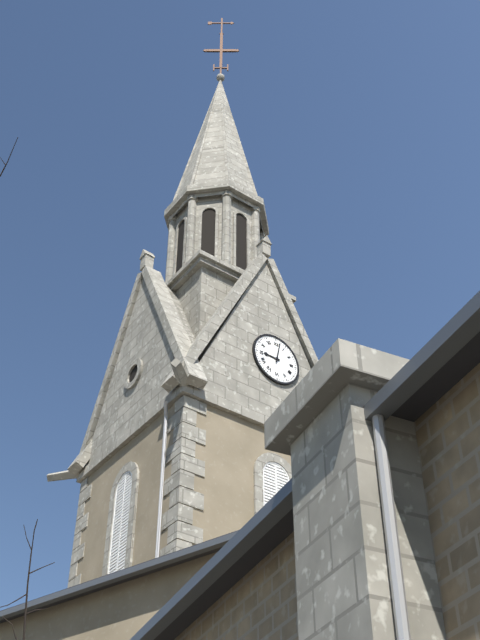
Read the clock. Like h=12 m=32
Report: h=9 m=2
